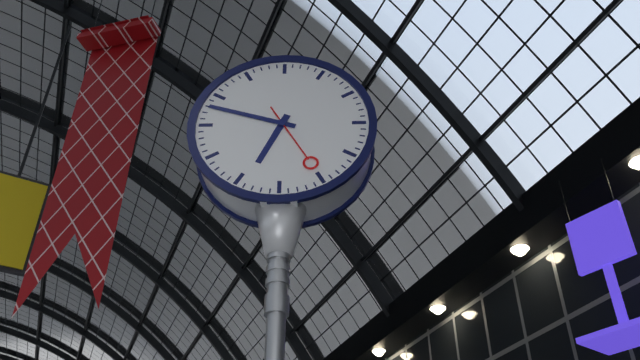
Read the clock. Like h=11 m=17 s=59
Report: h=6 m=48 s=25
